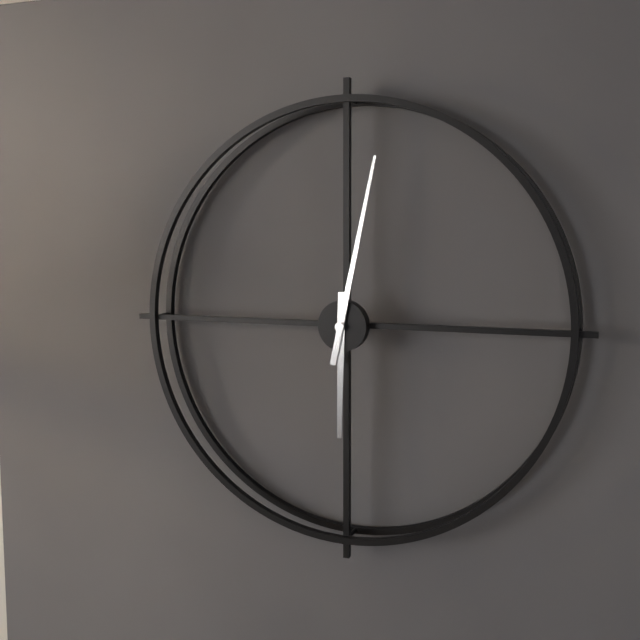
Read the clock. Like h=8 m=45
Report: h=6 m=2
